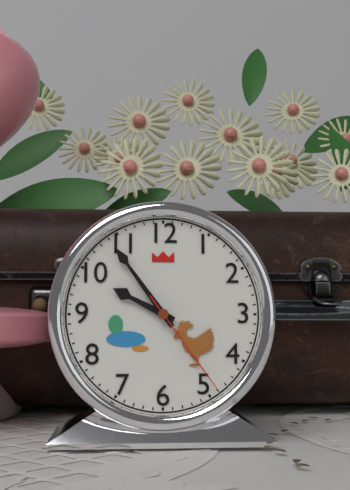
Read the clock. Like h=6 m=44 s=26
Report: h=9 m=54 s=24
